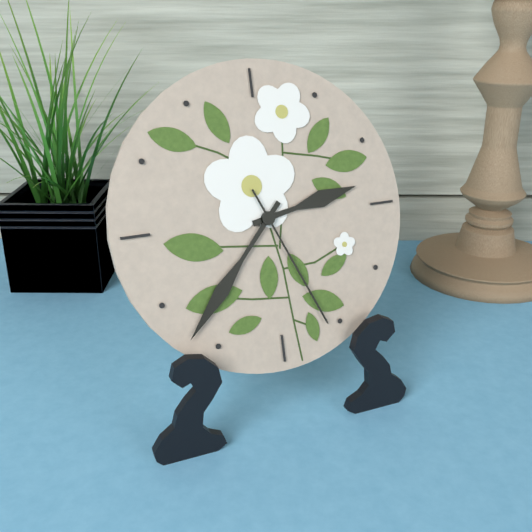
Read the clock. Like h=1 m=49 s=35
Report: h=2 m=37 s=26
